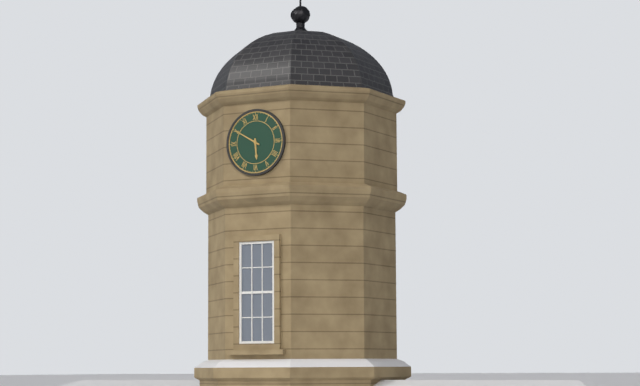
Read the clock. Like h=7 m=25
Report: h=5 m=50
